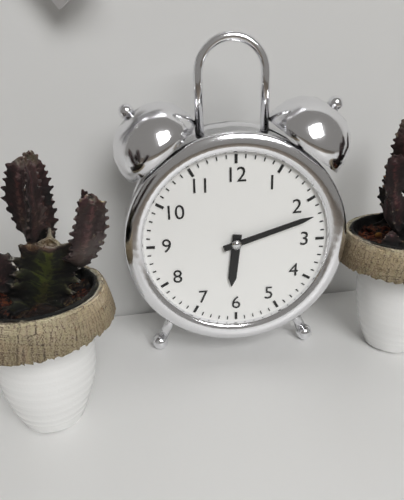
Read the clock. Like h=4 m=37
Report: h=6 m=12
